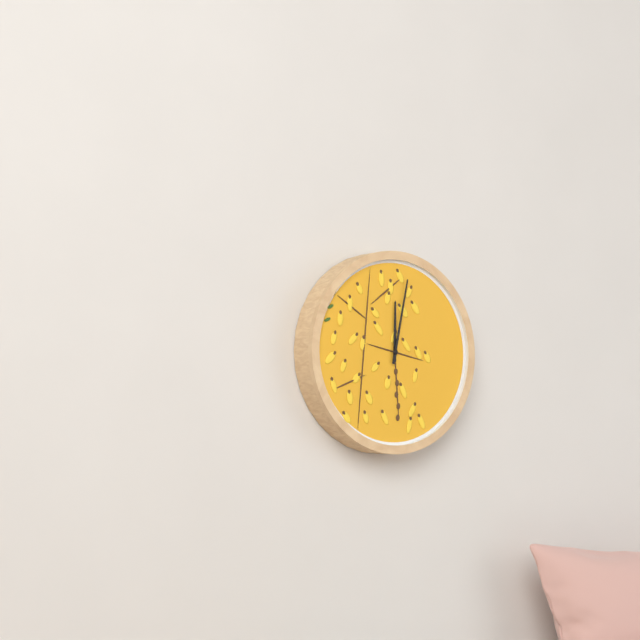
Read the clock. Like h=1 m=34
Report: h=12 m=2
